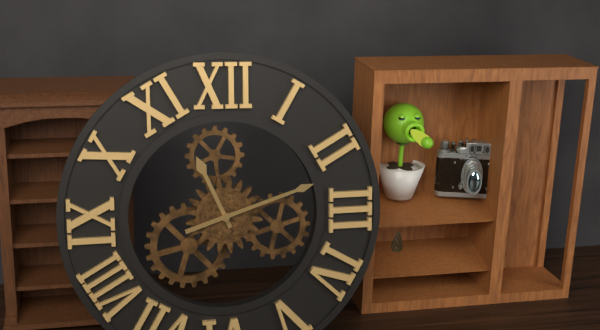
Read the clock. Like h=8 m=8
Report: h=11 m=12
